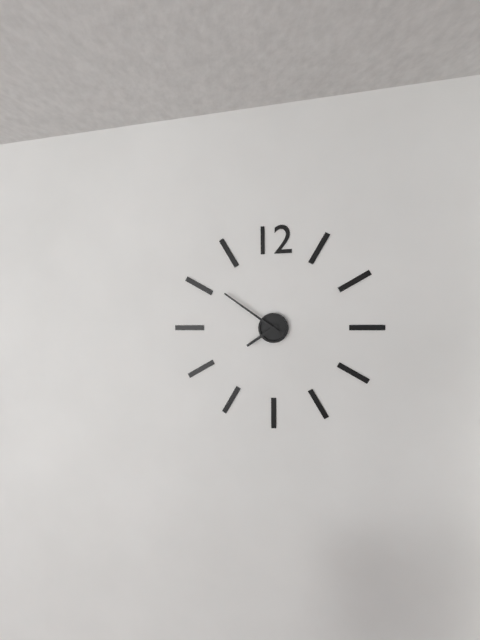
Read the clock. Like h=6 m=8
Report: h=7 m=51
